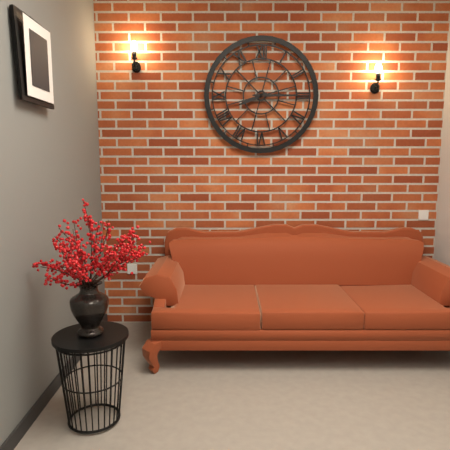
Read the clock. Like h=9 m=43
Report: h=8 m=15
